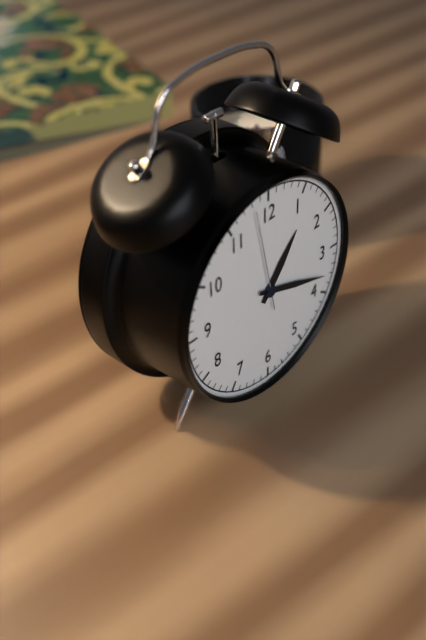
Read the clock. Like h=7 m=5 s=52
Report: h=1 m=18 s=58
